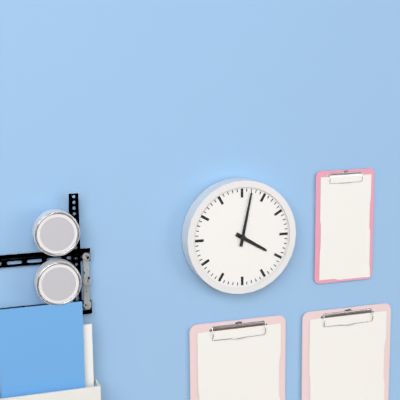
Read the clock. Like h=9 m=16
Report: h=4 m=2
